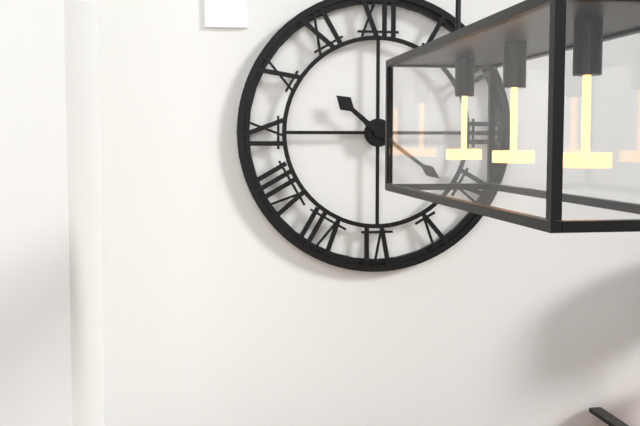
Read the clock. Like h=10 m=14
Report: h=10 m=21
